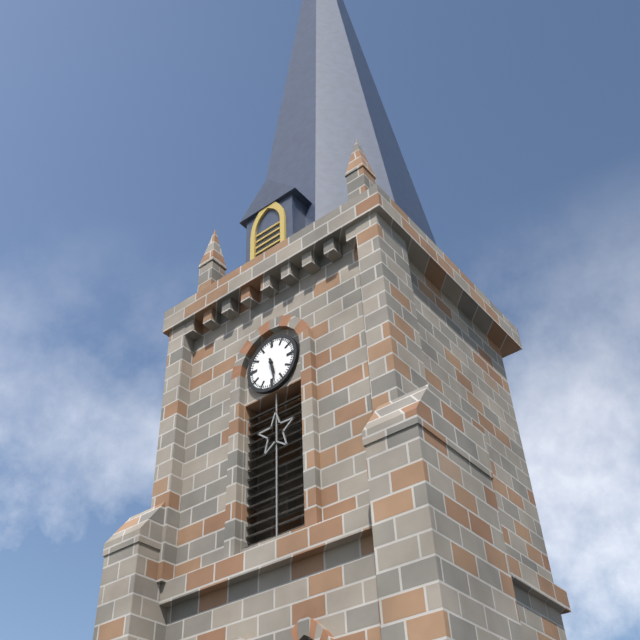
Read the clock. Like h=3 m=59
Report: h=5 m=28
